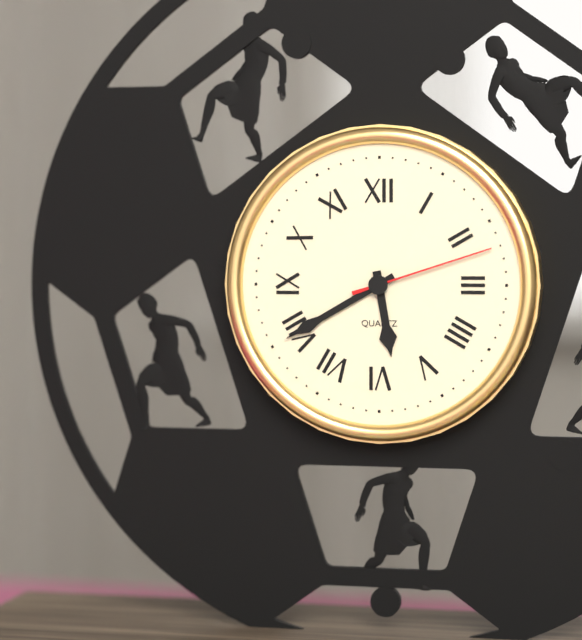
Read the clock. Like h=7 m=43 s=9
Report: h=5 m=40 s=12
